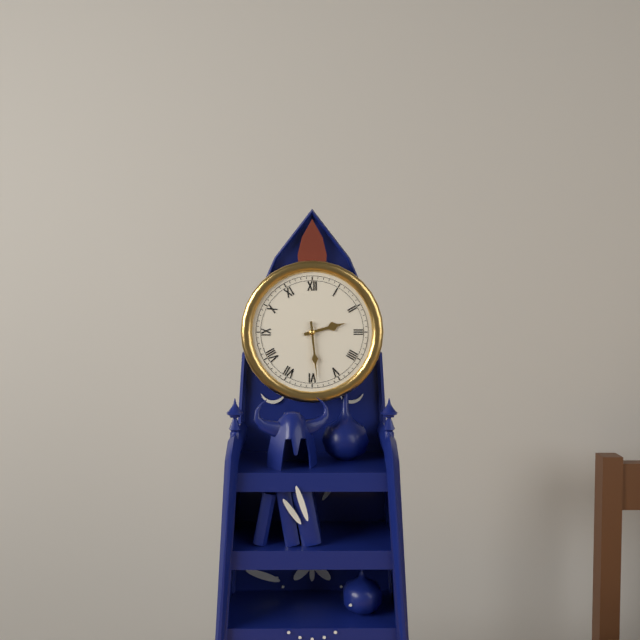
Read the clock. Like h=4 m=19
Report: h=2 m=29
